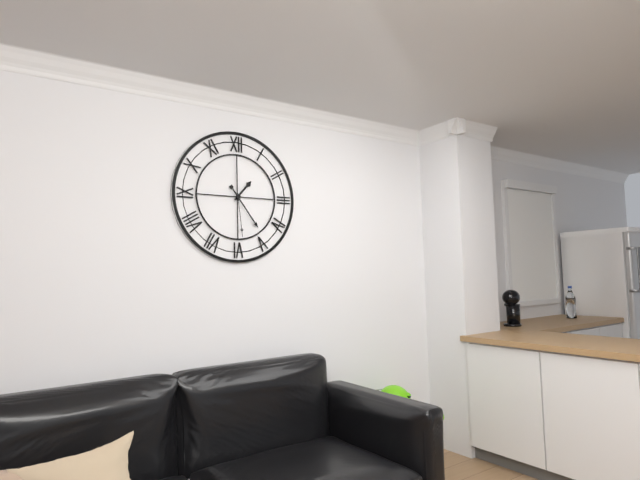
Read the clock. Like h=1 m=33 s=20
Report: h=1 m=24 s=29
